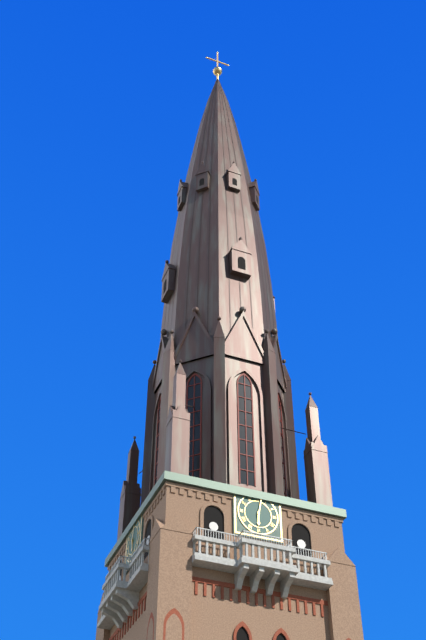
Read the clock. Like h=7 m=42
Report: h=6 m=2
